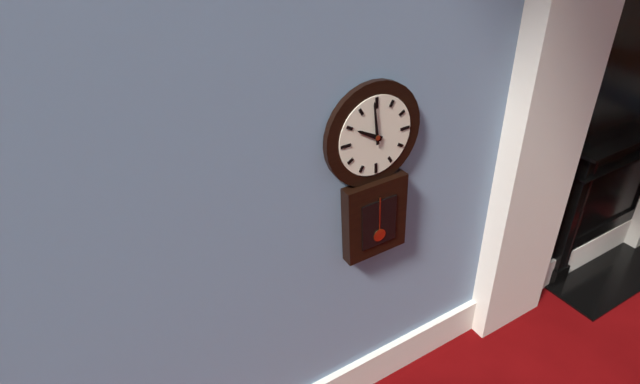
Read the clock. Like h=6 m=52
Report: h=9 m=59
